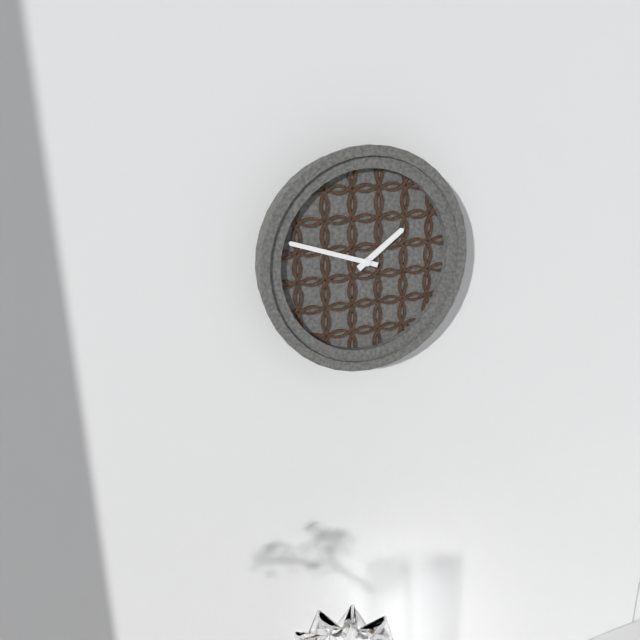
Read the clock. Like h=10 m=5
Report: h=1 m=48
